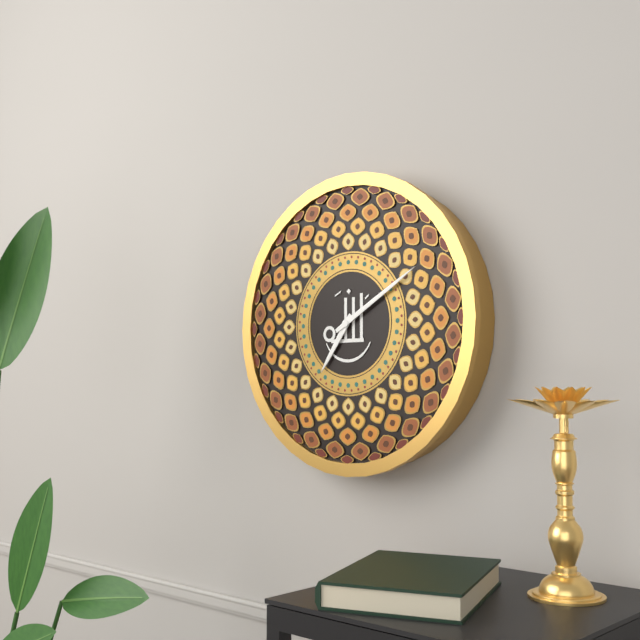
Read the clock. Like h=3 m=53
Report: h=7 m=10
